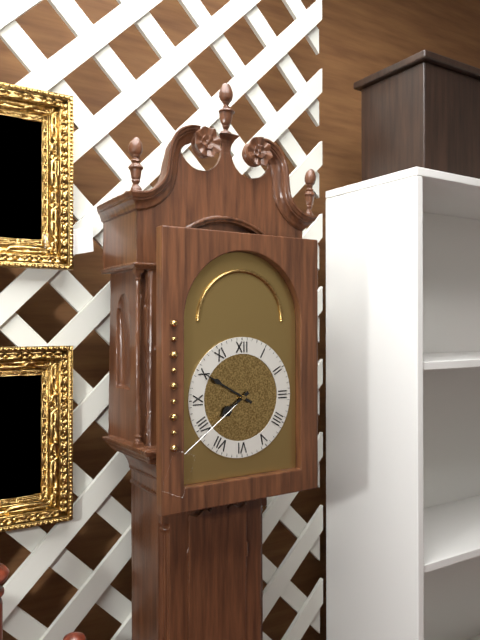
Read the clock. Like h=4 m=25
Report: h=7 m=50
